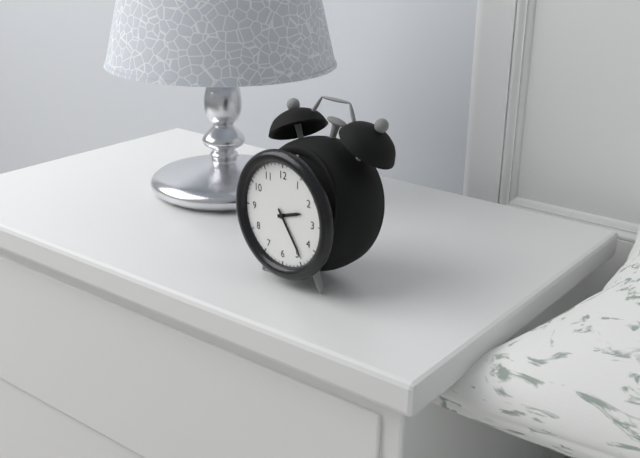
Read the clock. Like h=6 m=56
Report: h=2 m=24
